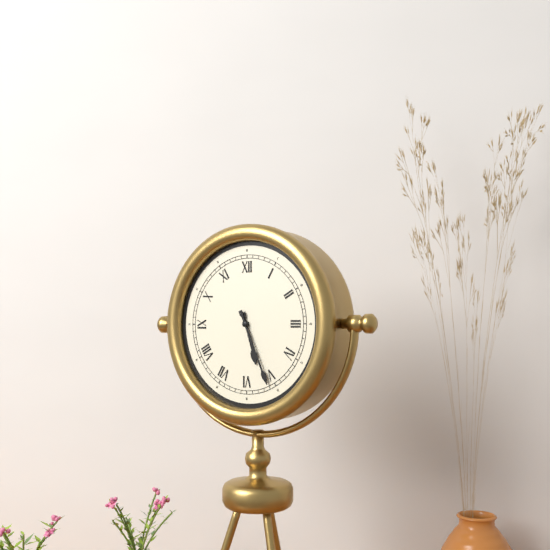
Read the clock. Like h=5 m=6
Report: h=5 m=26
